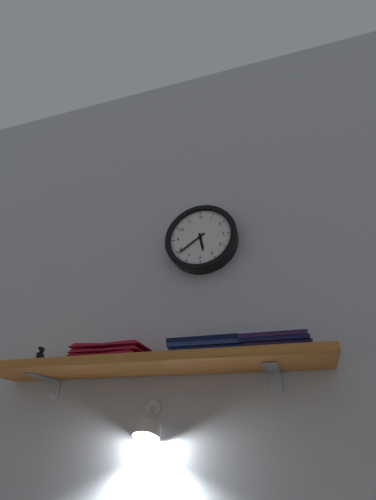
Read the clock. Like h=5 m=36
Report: h=5 m=39
